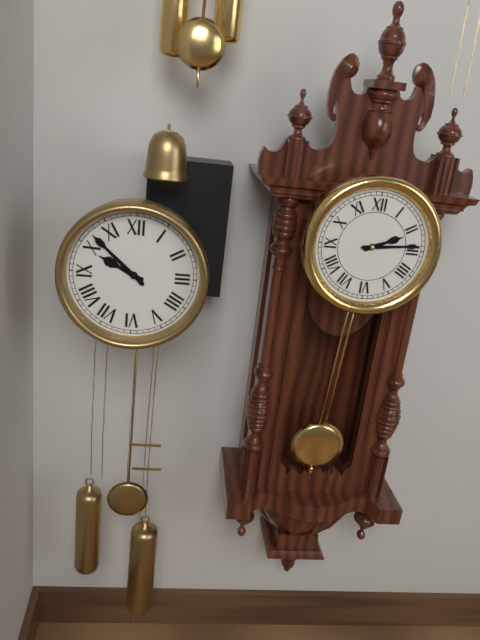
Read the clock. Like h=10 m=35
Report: h=9 m=52
